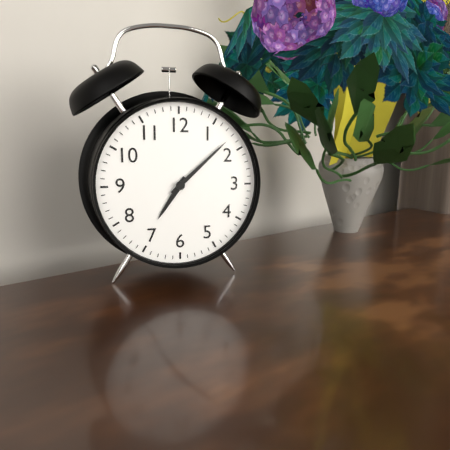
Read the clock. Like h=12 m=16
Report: h=7 m=8
